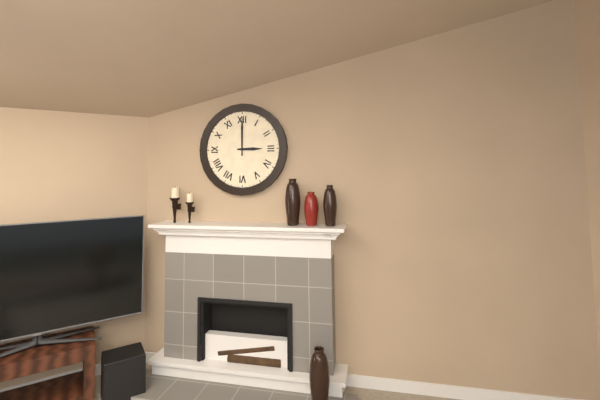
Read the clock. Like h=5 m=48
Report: h=3 m=0
